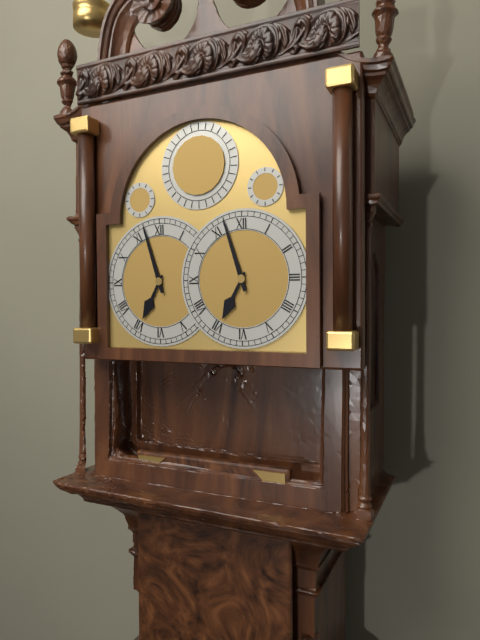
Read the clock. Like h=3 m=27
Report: h=6 m=57
